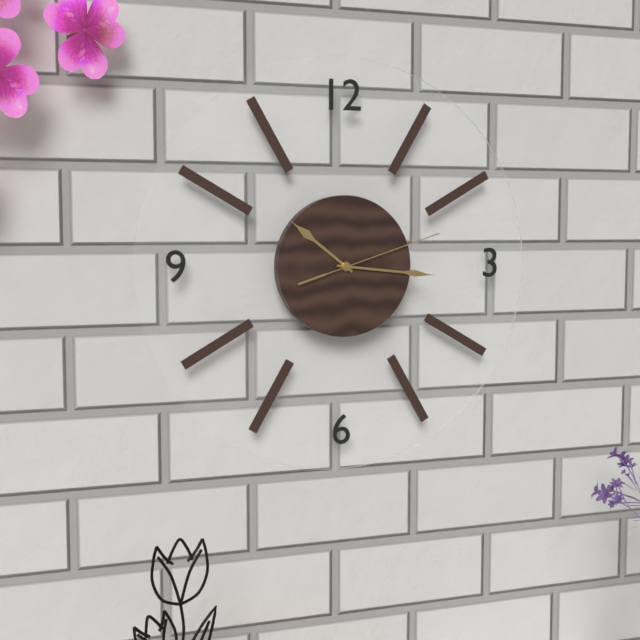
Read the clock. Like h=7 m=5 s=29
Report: h=10 m=16 s=12
